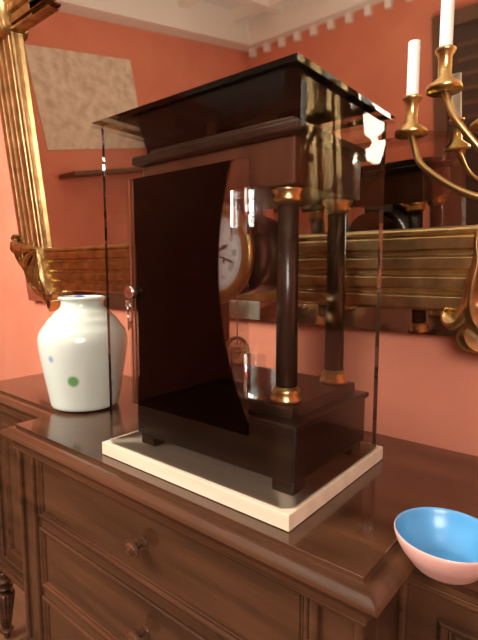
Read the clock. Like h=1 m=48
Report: h=2 m=18
